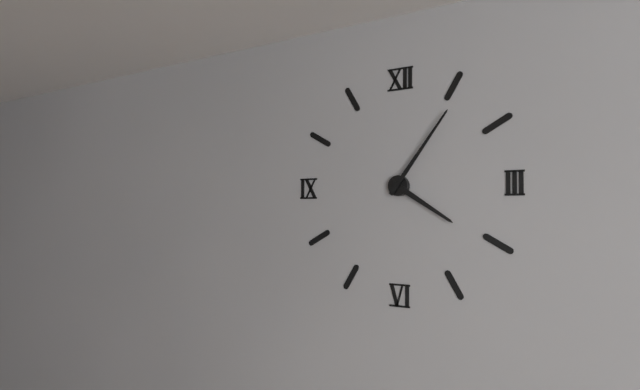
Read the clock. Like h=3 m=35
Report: h=4 m=6
